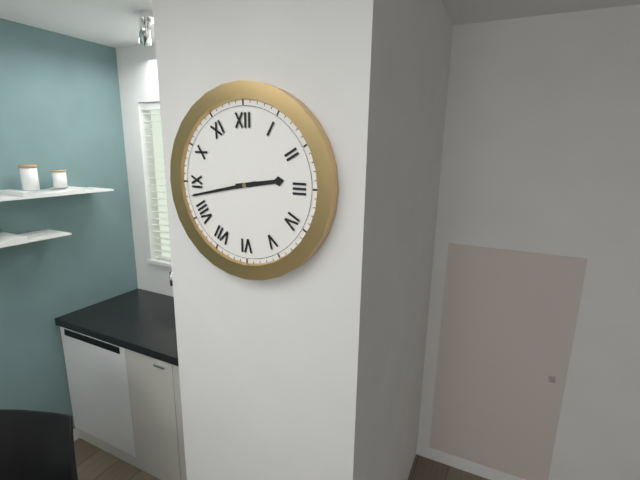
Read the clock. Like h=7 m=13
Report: h=2 m=43
